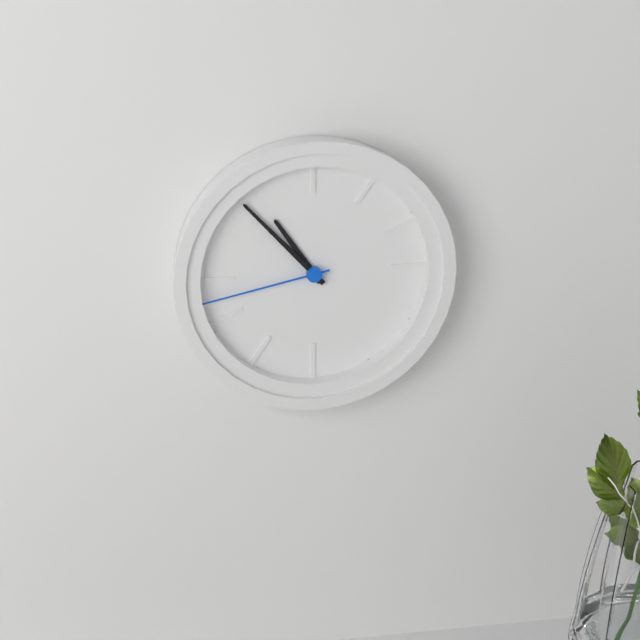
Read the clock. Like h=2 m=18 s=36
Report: h=10 m=53 s=43
